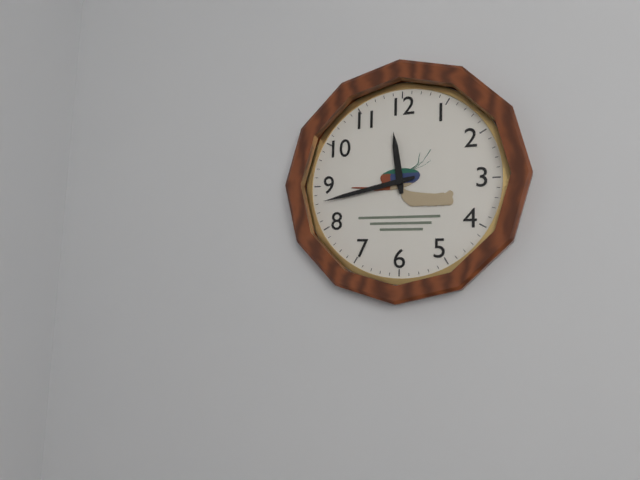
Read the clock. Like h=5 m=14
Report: h=11 m=43
